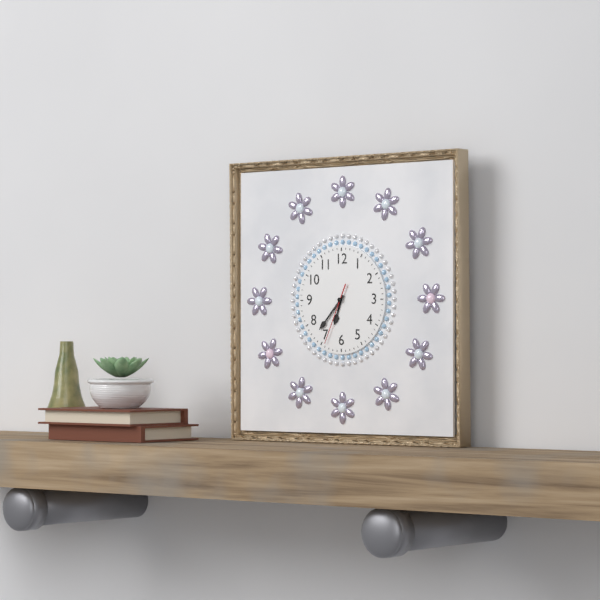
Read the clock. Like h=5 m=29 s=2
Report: h=6 m=37 s=34
